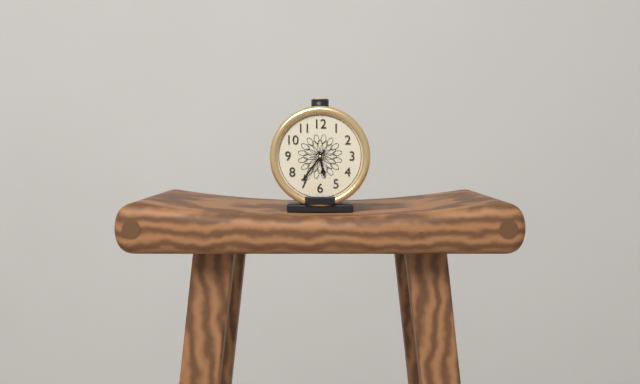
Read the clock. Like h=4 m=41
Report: h=5 m=36
